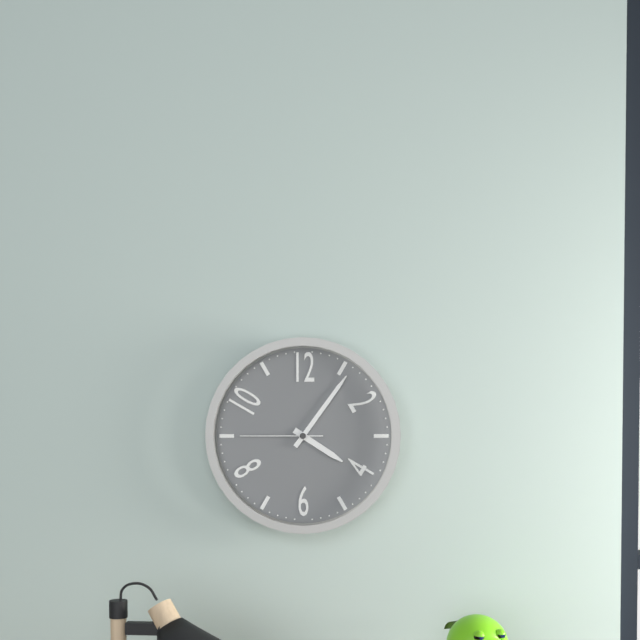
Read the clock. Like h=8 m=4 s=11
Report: h=4 m=6 s=45
